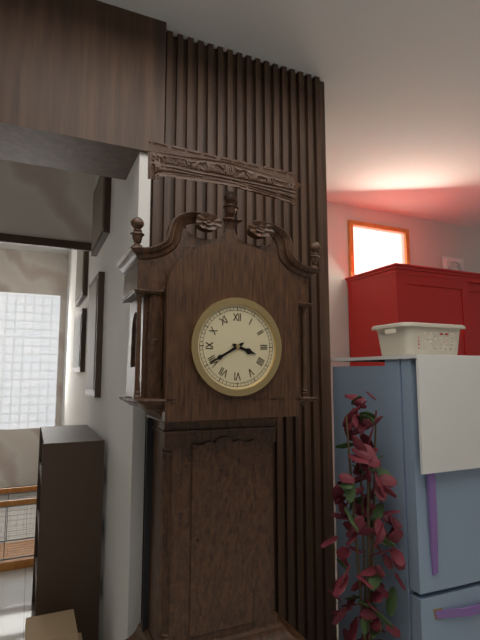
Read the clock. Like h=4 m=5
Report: h=3 m=40
